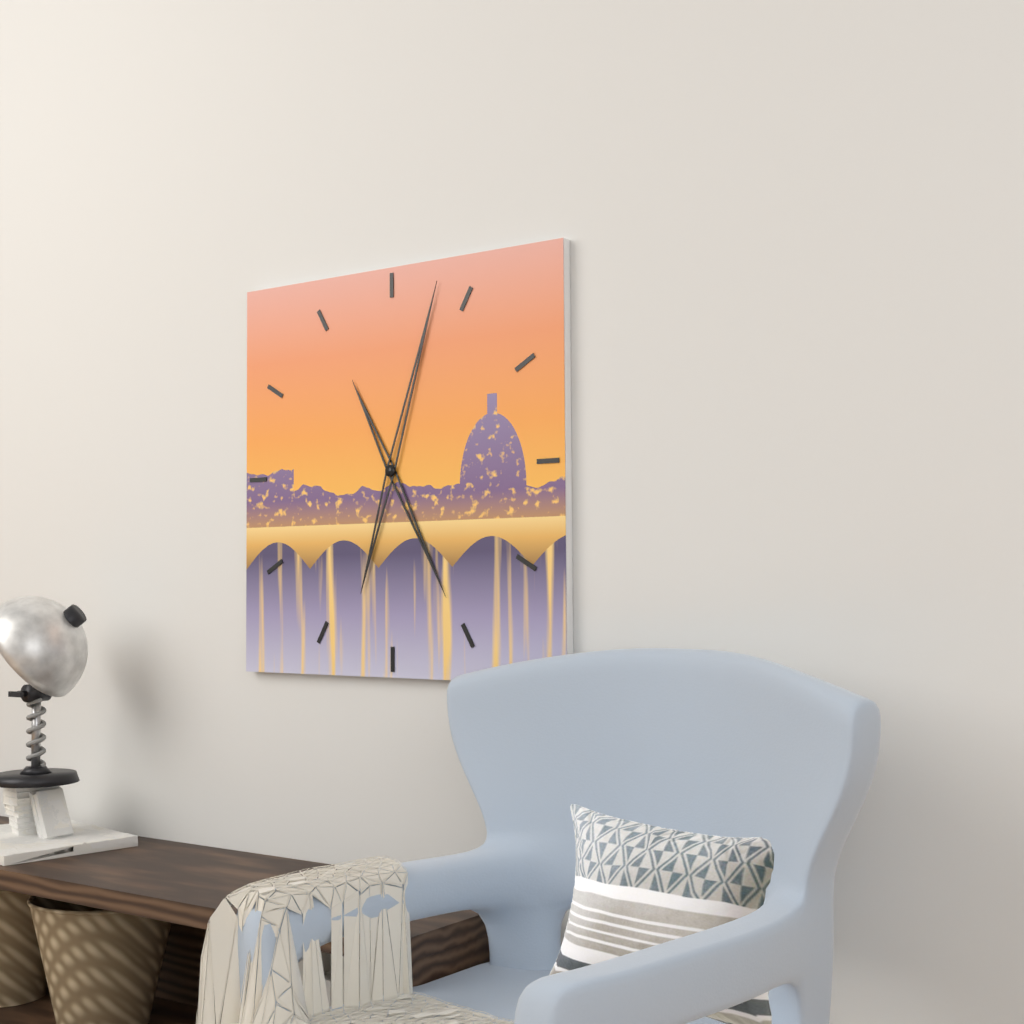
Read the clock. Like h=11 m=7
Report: h=5 m=3
